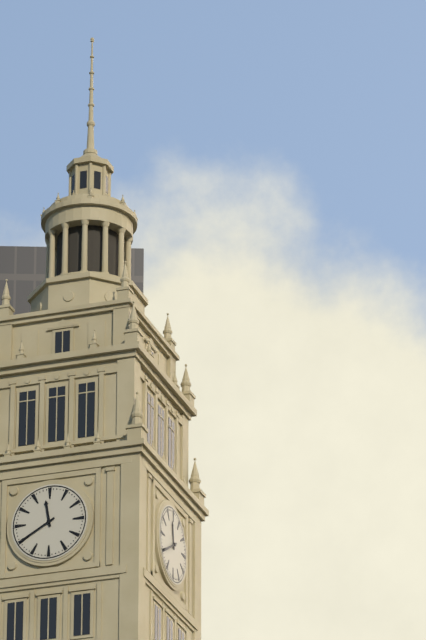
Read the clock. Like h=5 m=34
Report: h=11 m=40
